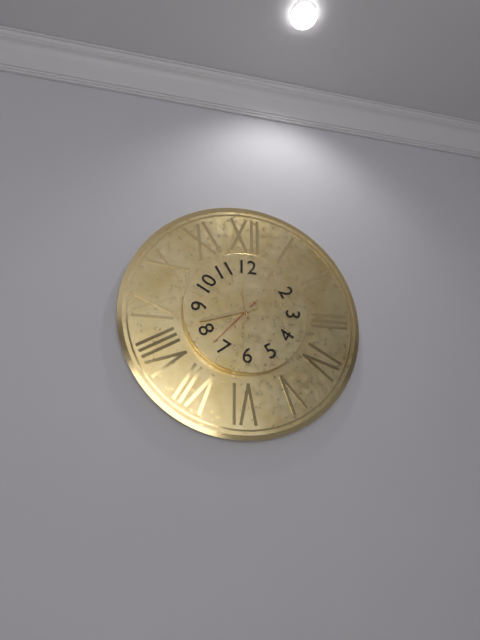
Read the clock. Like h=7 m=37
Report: h=11 m=42
